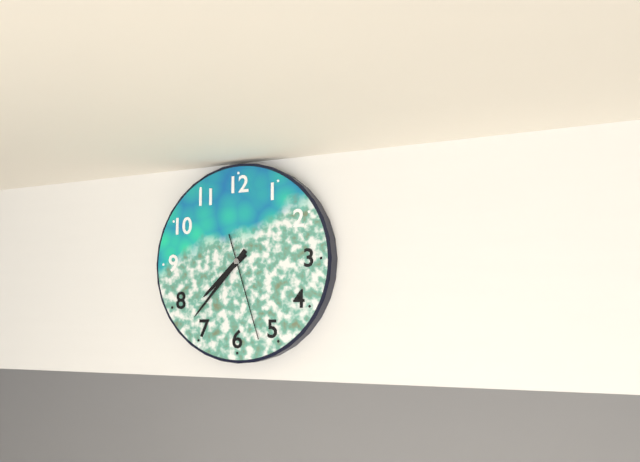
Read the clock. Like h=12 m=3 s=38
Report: h=7 m=37 s=27
